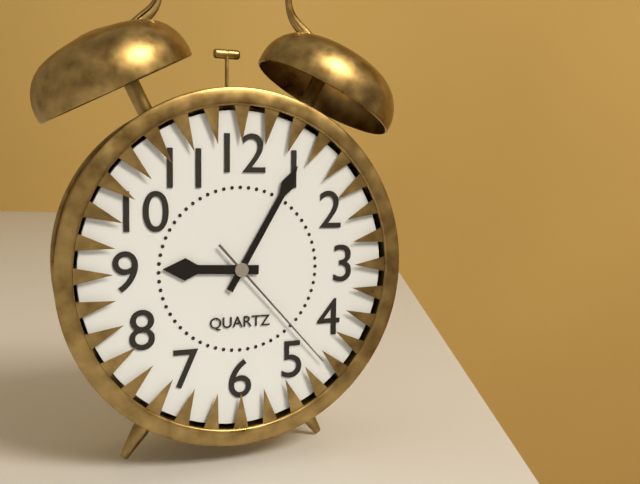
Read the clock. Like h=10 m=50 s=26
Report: h=9 m=5 s=23
